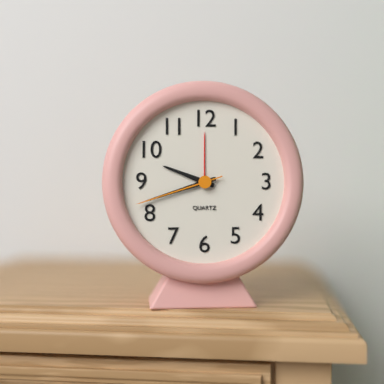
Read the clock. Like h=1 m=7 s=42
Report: h=9 m=42 s=42
